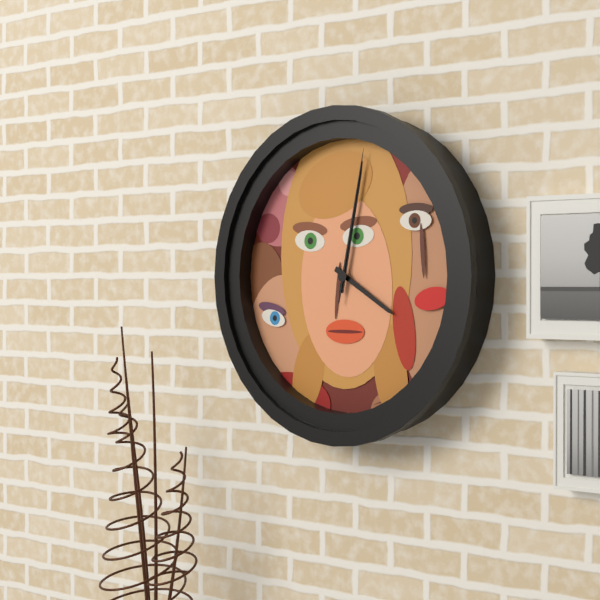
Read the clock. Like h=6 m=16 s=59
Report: h=4 m=2 s=2
